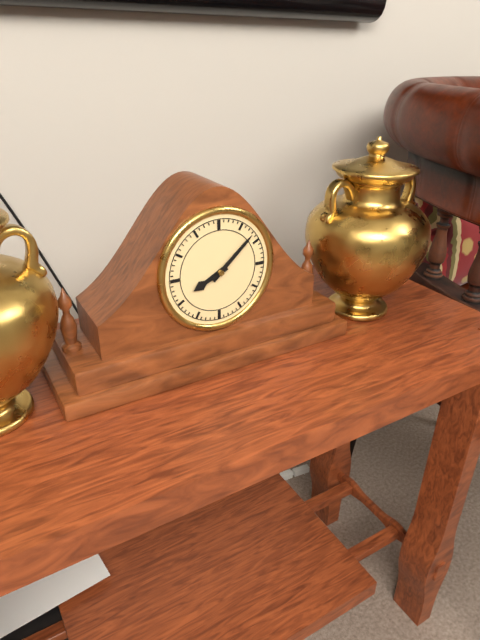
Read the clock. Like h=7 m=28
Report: h=8 m=8
